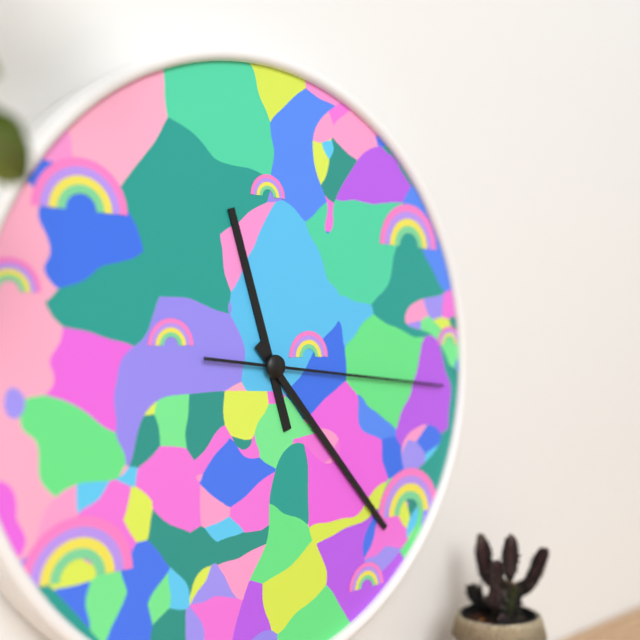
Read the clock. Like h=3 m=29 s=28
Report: h=11 m=23 s=16
